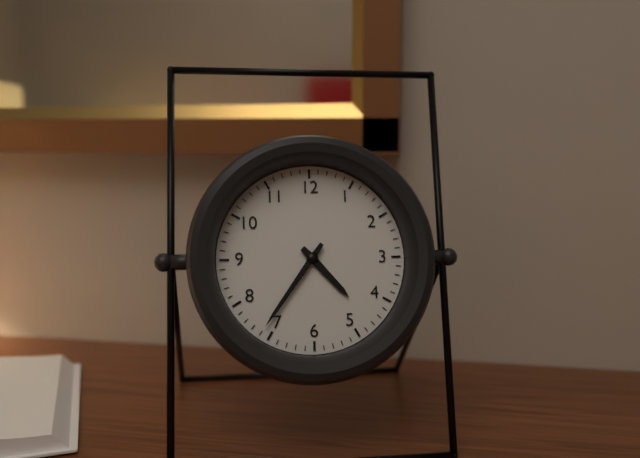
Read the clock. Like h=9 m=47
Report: h=4 m=36
